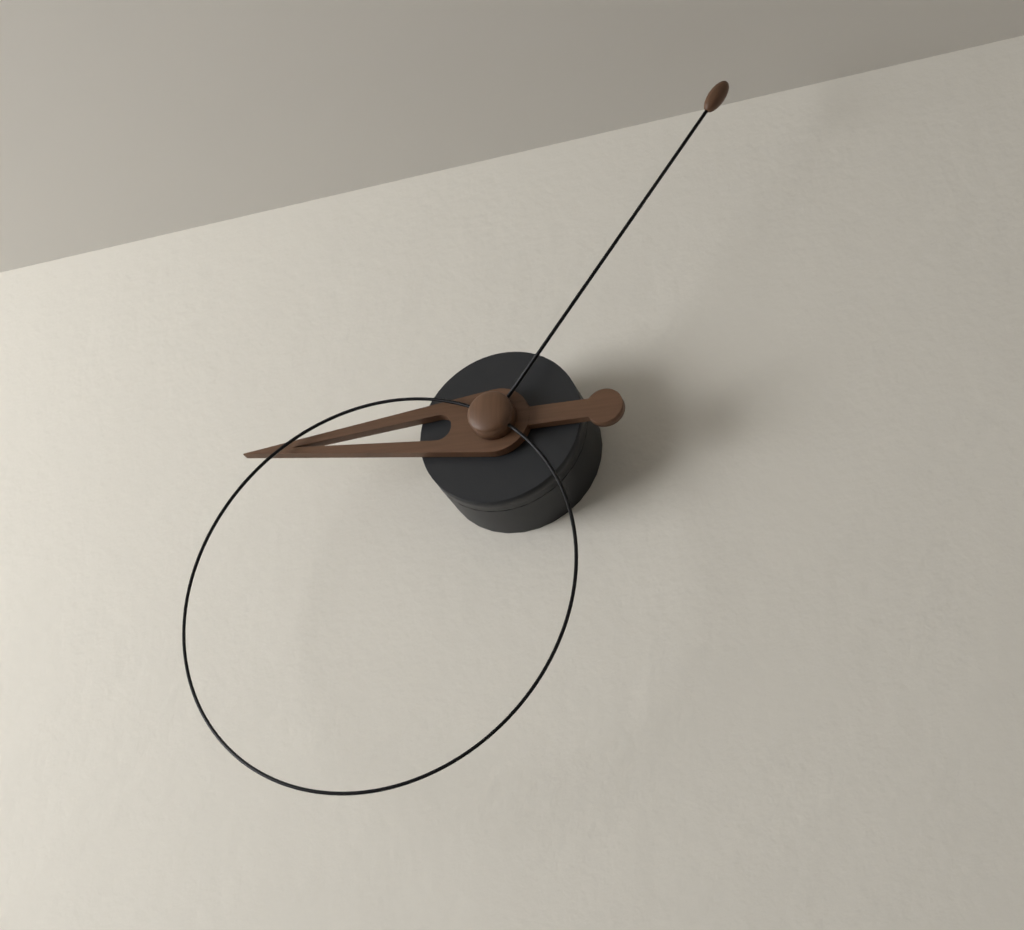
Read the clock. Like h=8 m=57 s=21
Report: h=9 m=6 s=36
